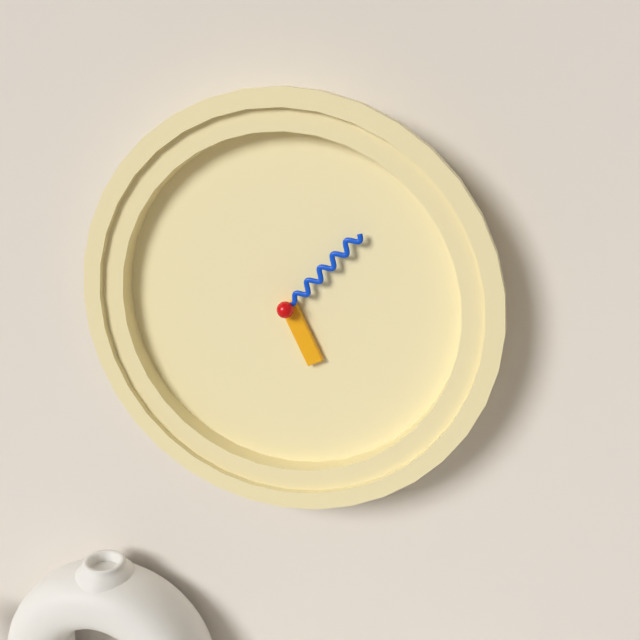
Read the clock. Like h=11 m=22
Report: h=5 m=7
